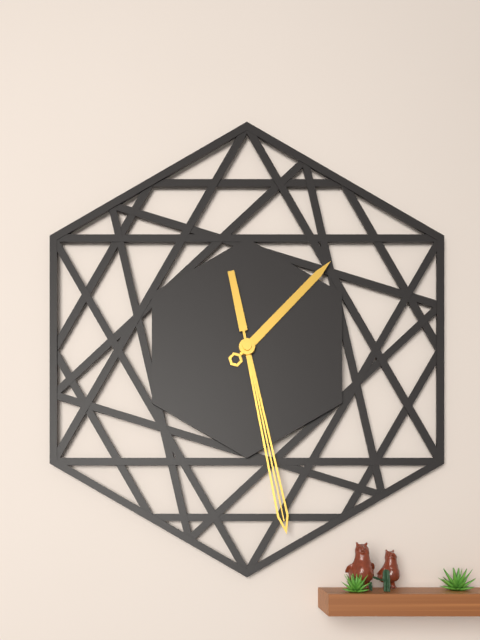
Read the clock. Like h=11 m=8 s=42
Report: h=1 m=28 s=28
